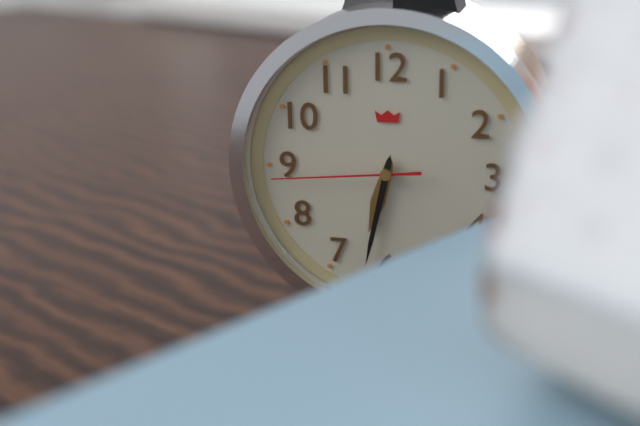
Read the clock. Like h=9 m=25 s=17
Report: h=6 m=32 s=44
